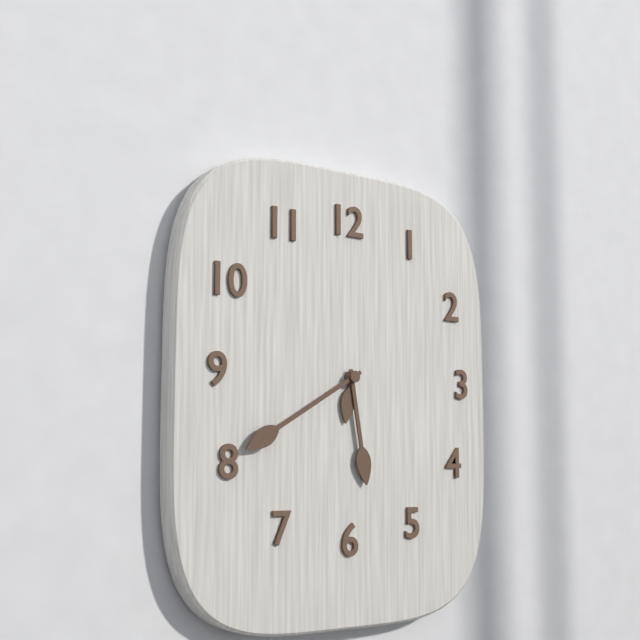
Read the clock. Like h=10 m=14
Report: h=5 m=40
